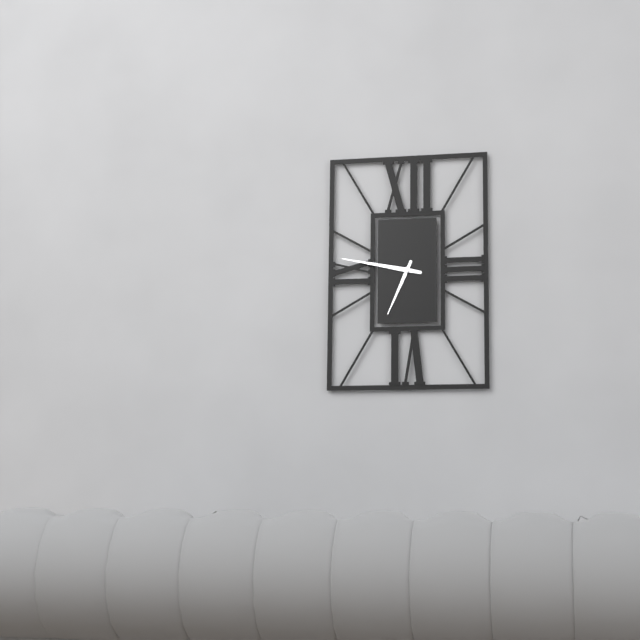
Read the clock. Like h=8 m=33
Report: h=6 m=47
